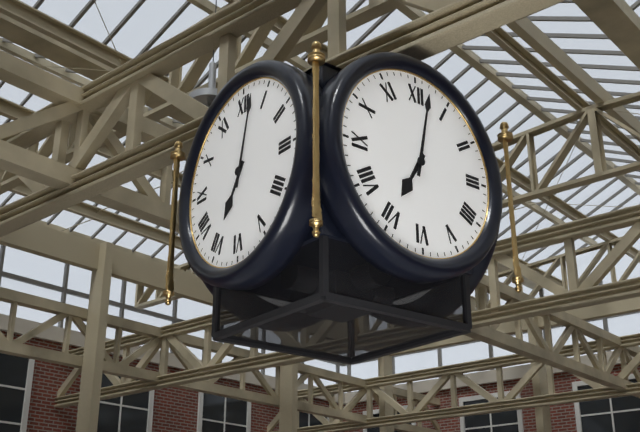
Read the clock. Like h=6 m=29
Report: h=7 m=2
